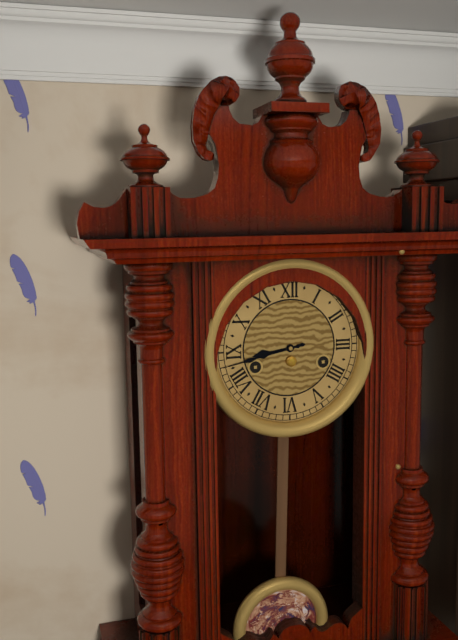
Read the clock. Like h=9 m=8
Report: h=8 m=43
